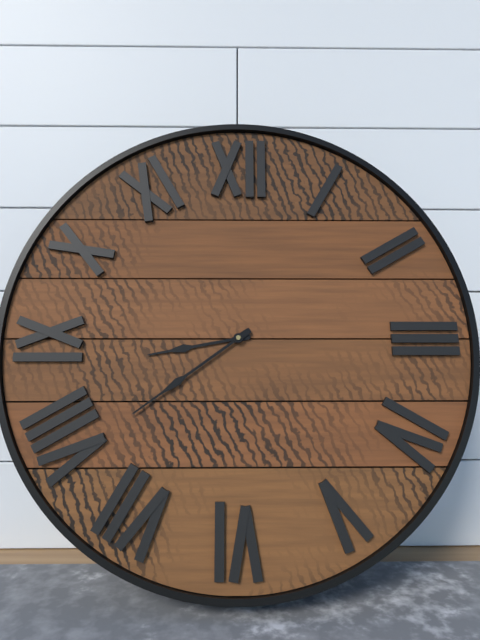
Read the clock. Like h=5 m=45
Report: h=8 m=39
